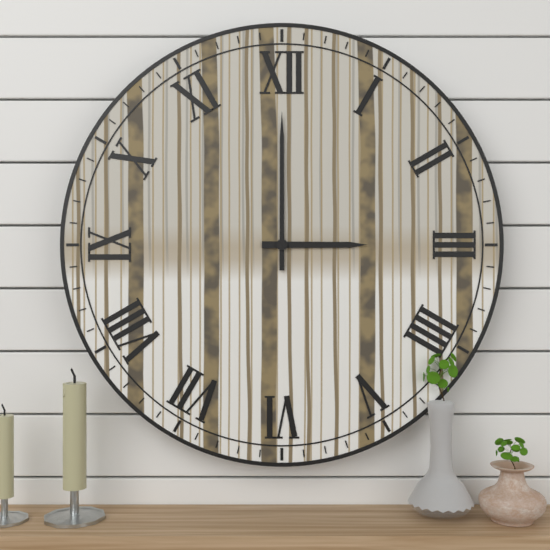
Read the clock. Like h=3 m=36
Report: h=3 m=0
